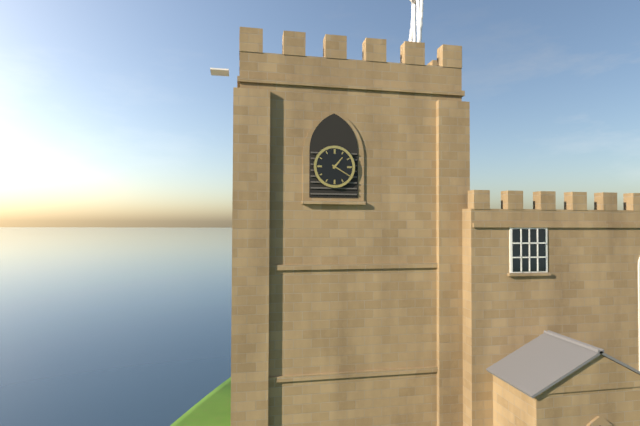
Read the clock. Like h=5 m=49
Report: h=1 m=20
